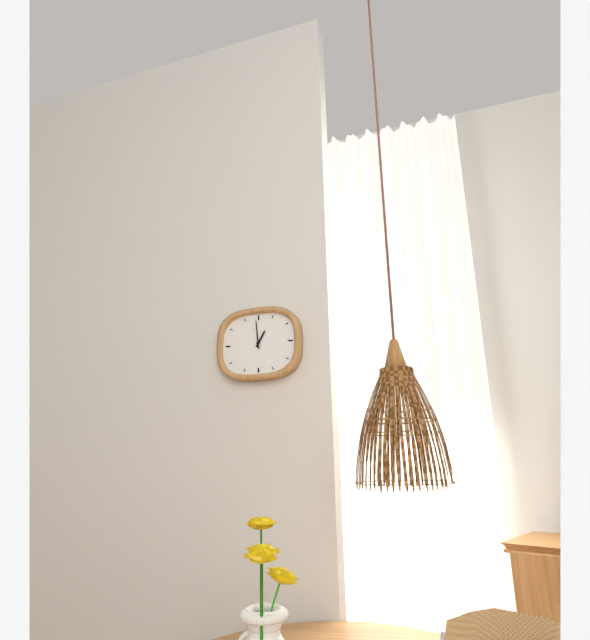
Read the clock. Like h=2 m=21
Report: h=12 m=59
